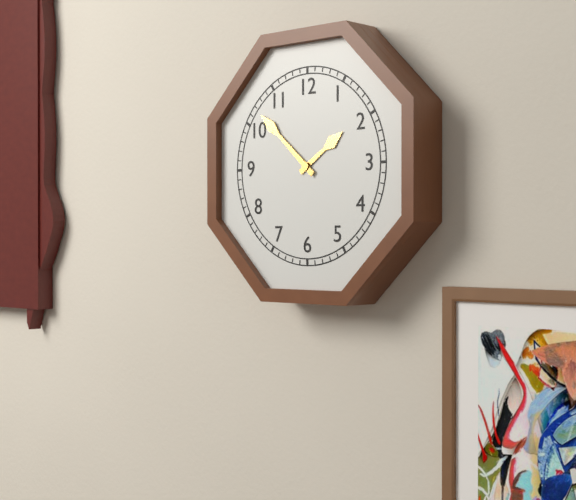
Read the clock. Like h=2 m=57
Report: h=1 m=52
